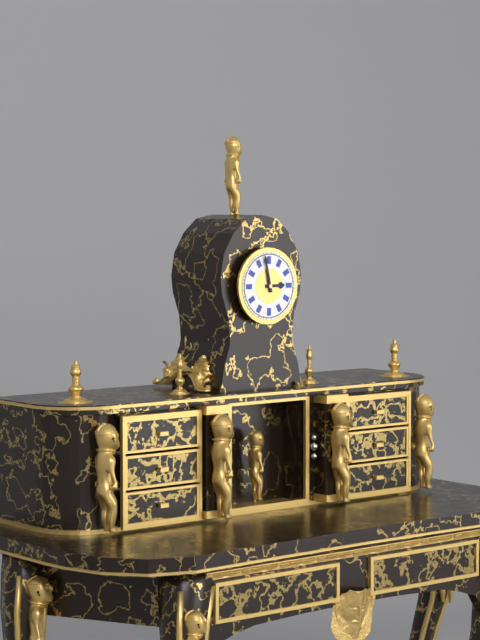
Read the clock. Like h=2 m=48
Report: h=2 m=58
